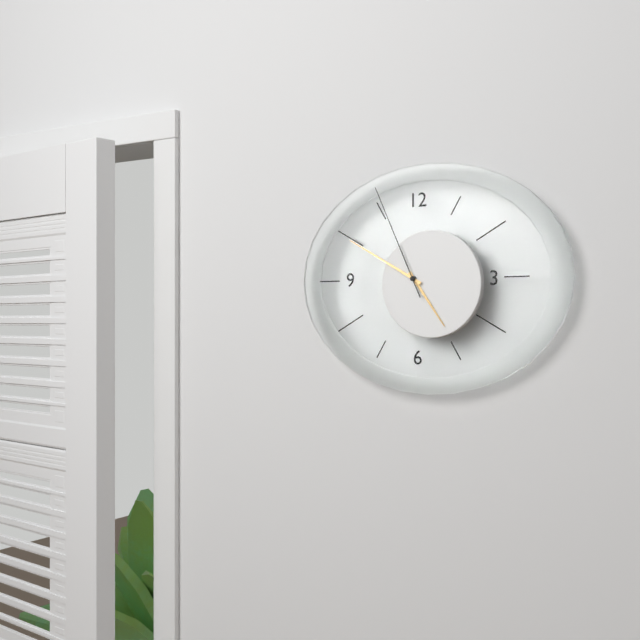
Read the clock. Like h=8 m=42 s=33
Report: h=4 m=50 s=56
